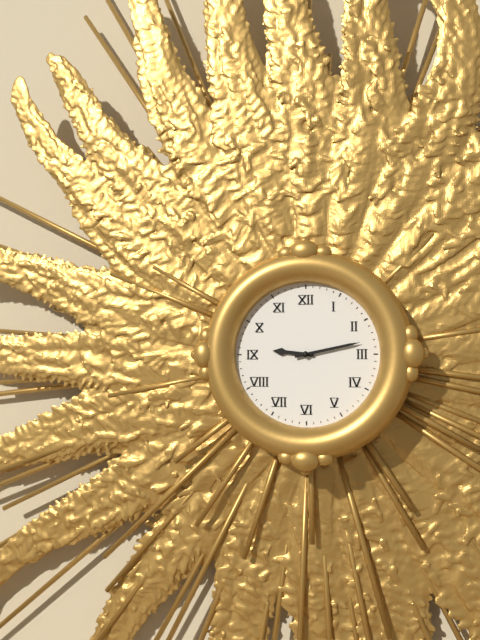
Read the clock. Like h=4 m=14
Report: h=9 m=13
